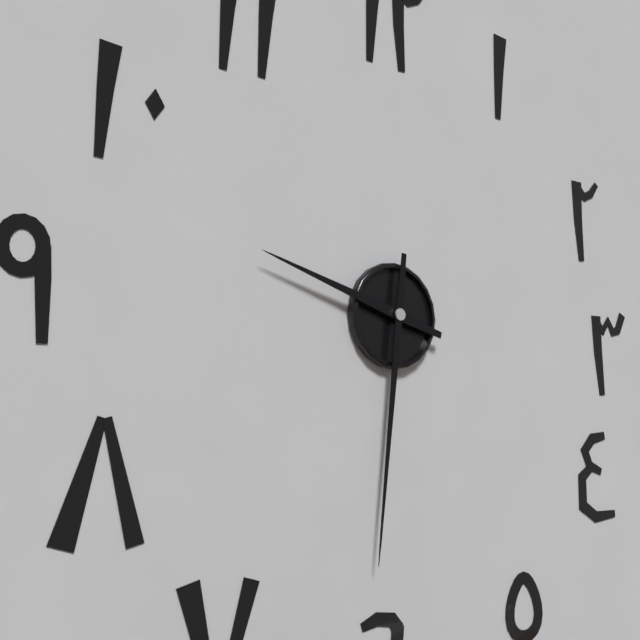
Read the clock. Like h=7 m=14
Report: h=9 m=31
